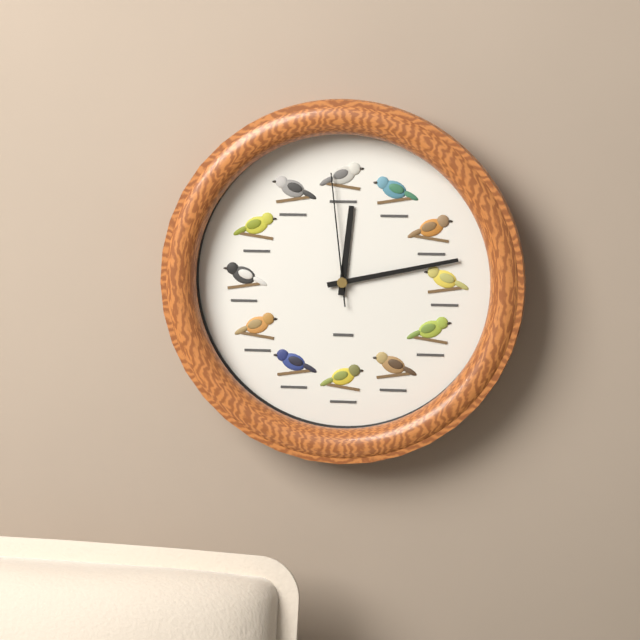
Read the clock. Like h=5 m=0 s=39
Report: h=12 m=13 s=59
